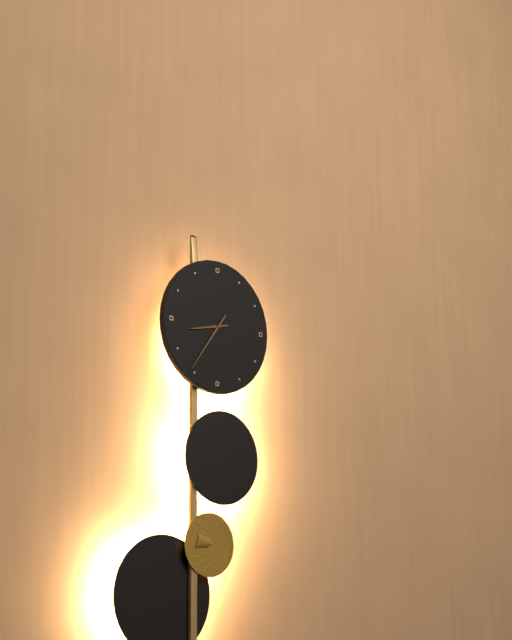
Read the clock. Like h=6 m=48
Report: h=8 m=36
